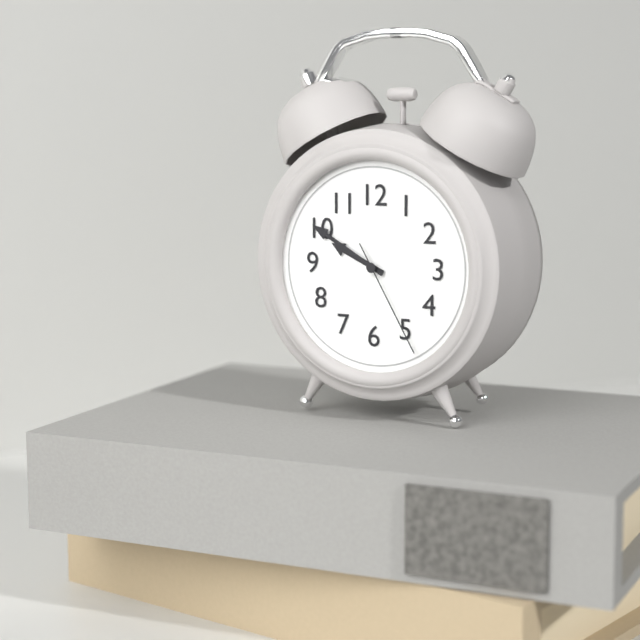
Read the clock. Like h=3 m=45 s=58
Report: h=9 m=50 s=25
